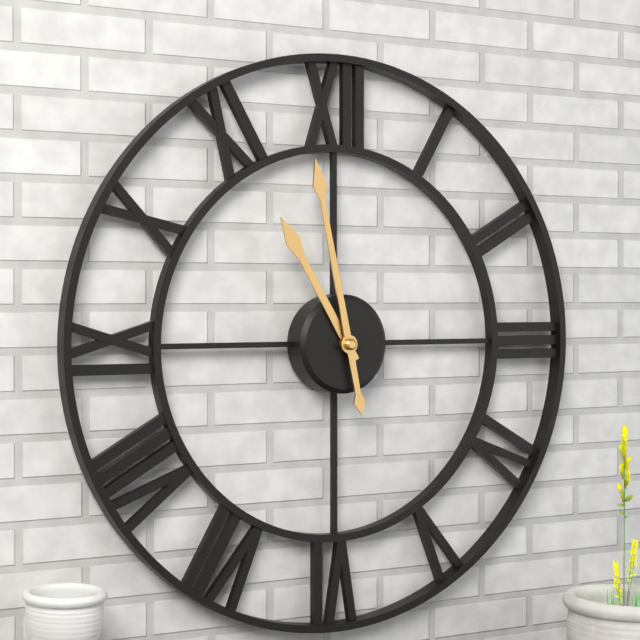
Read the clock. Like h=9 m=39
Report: h=10 m=58
